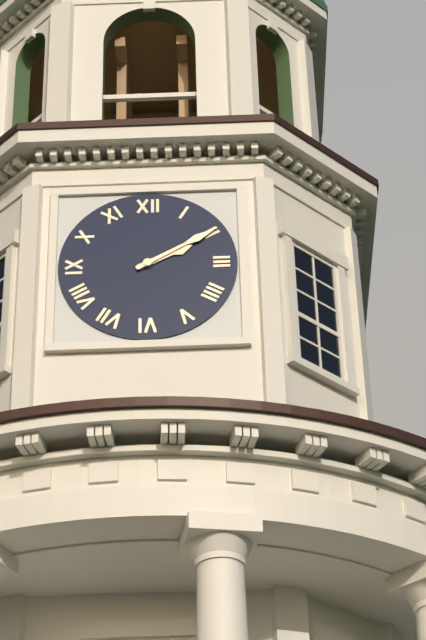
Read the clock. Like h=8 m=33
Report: h=2 m=10
